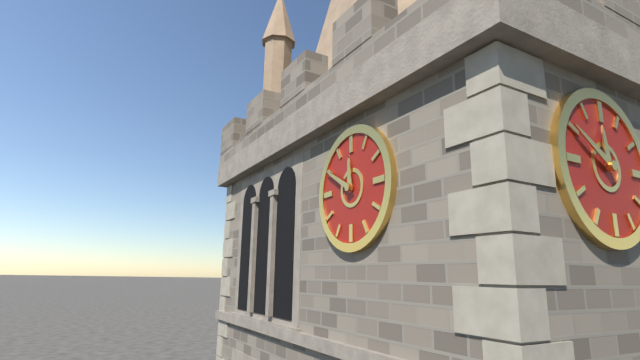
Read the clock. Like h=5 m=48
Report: h=11 m=50
